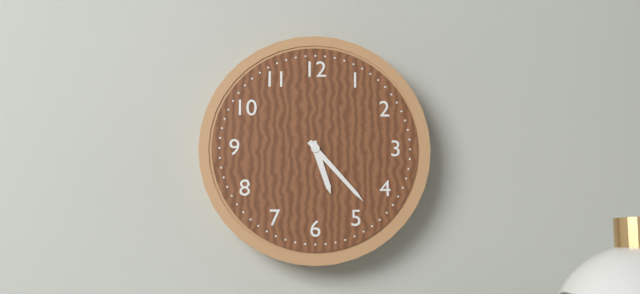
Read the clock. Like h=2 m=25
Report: h=5 m=23
